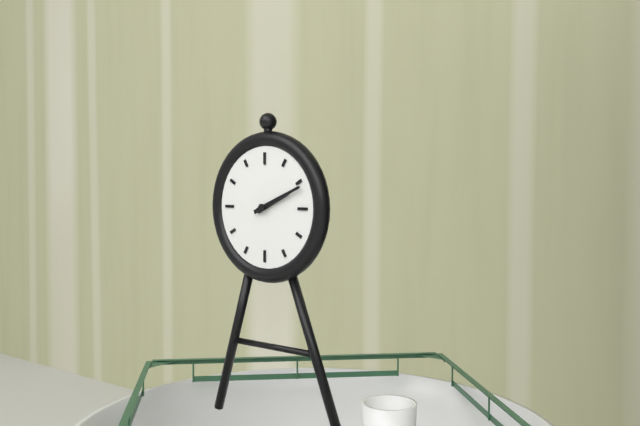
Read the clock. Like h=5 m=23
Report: h=2 m=11
